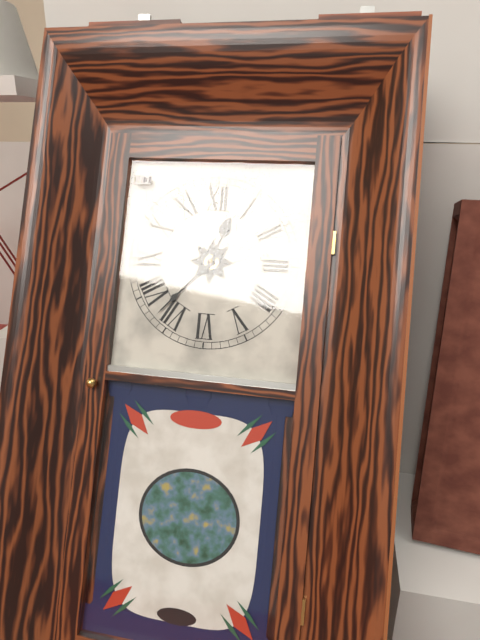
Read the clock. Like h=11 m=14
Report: h=12 m=37
